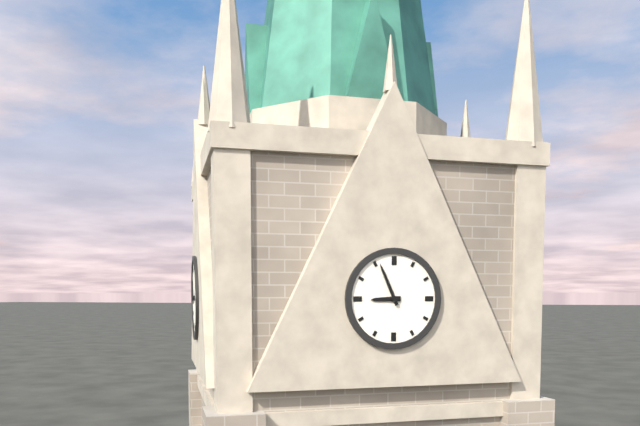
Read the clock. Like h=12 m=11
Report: h=8 m=56
